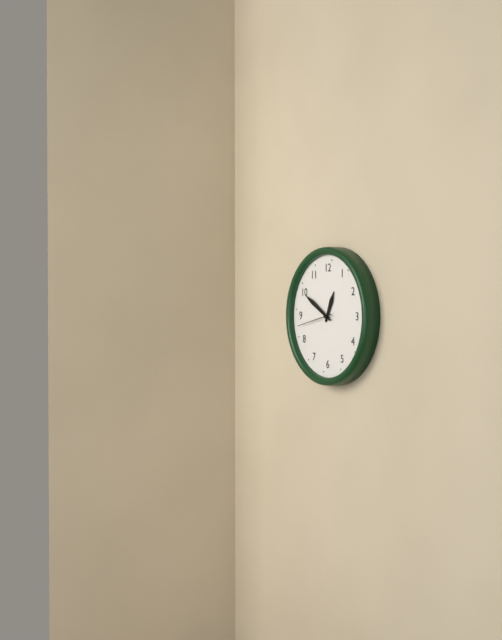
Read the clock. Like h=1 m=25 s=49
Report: h=12 m=50 s=43
